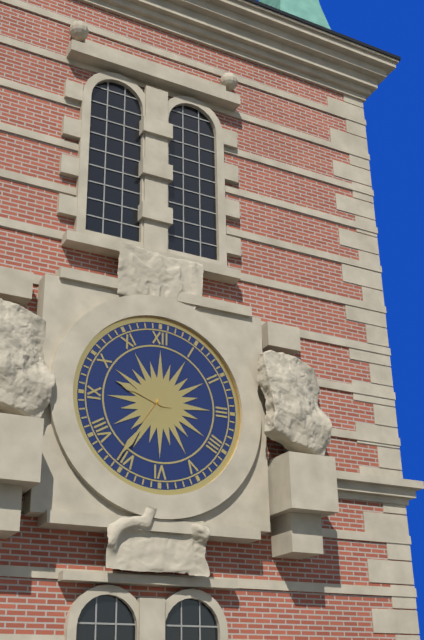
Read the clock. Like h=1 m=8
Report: h=9 m=36
